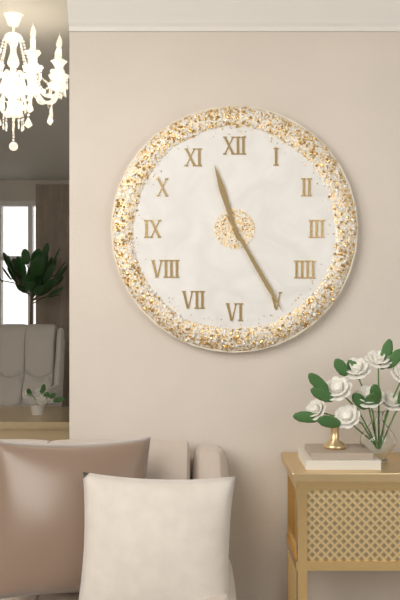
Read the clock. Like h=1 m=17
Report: h=11 m=25
